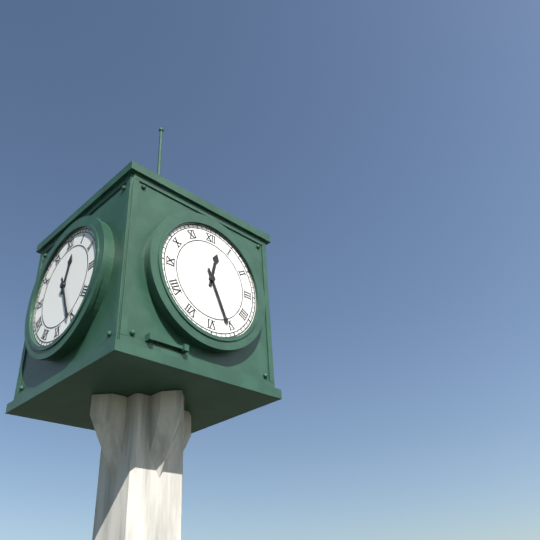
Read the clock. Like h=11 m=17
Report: h=12 m=26
